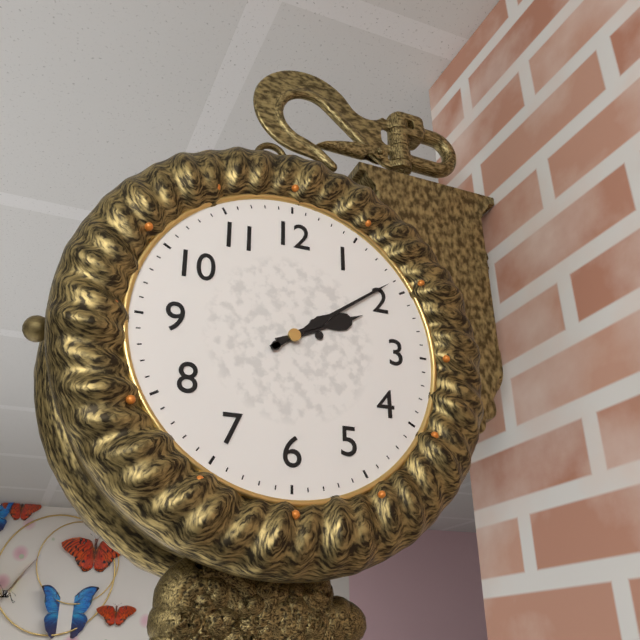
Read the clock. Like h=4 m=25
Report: h=2 m=9
